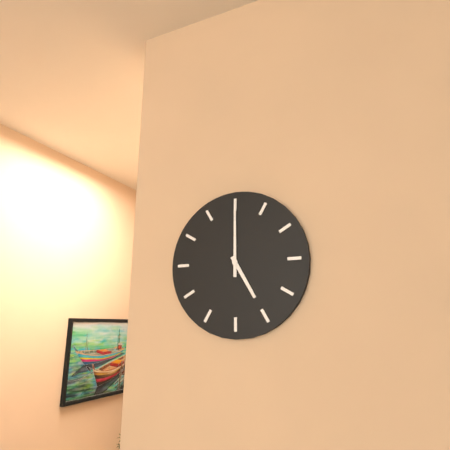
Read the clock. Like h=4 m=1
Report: h=5 m=0
